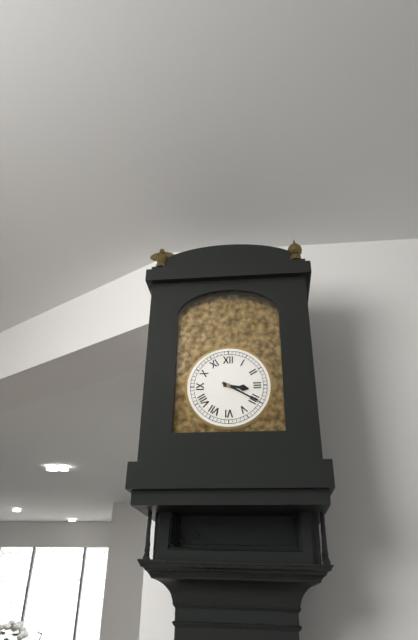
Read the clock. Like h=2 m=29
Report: h=3 m=20
